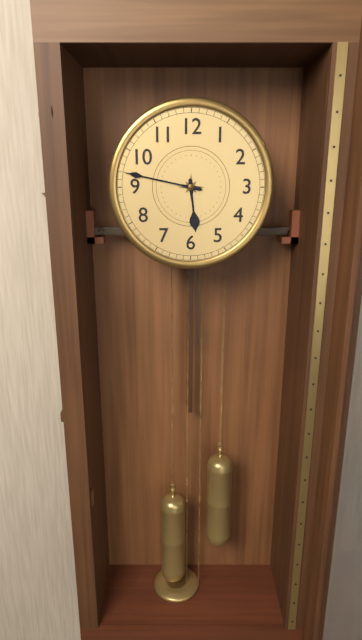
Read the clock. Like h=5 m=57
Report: h=5 m=47
